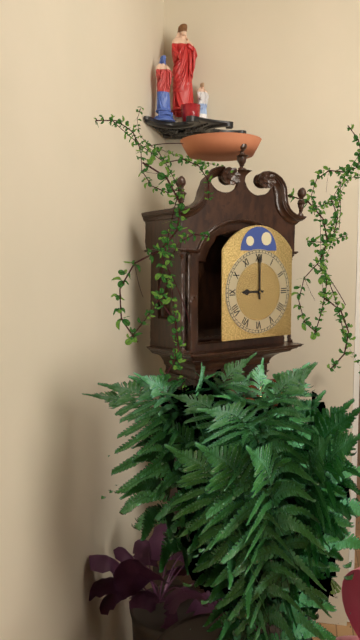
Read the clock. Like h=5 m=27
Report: h=9 m=0
